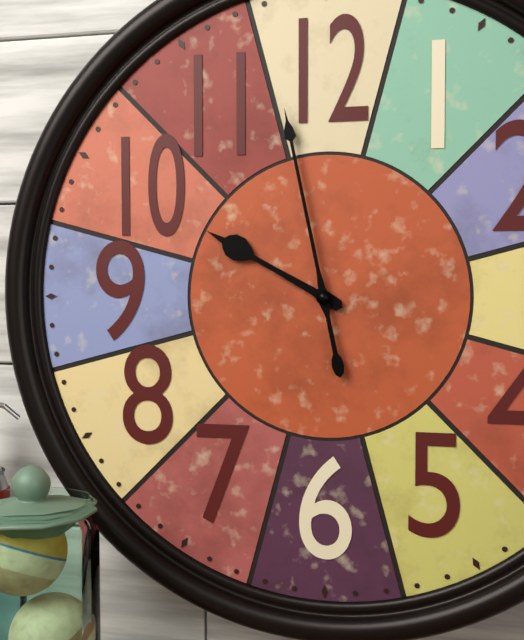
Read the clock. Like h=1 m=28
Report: h=9 m=58
